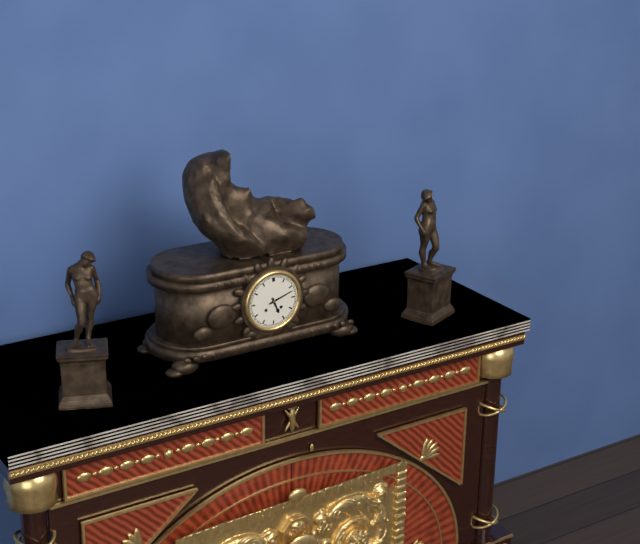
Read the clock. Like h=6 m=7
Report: h=5 m=12
